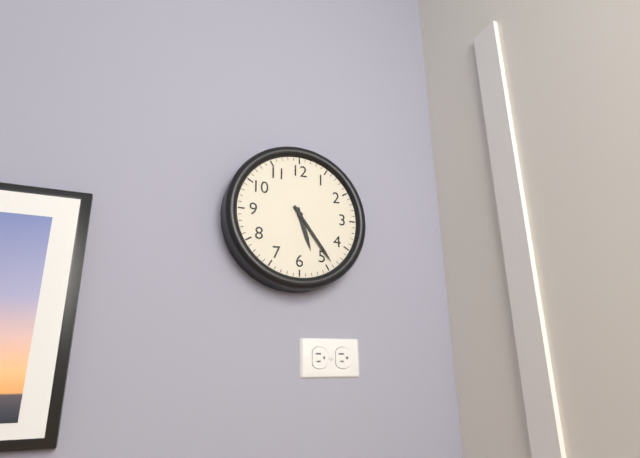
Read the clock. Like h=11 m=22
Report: h=5 m=24
